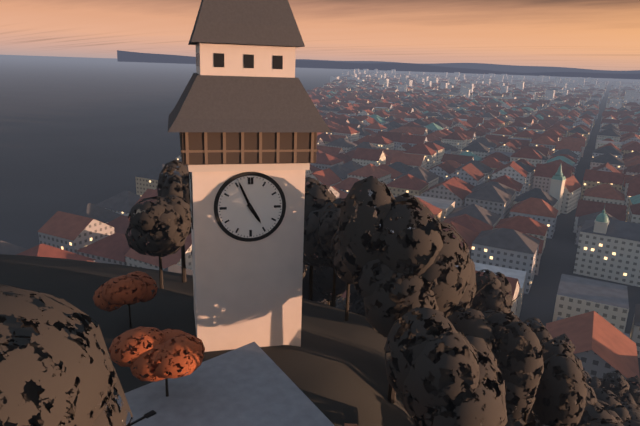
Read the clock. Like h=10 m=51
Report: h=4 m=56
